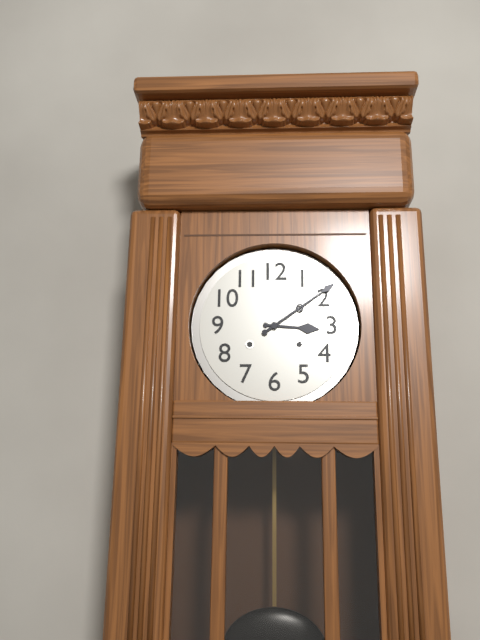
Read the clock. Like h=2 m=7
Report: h=3 m=9
